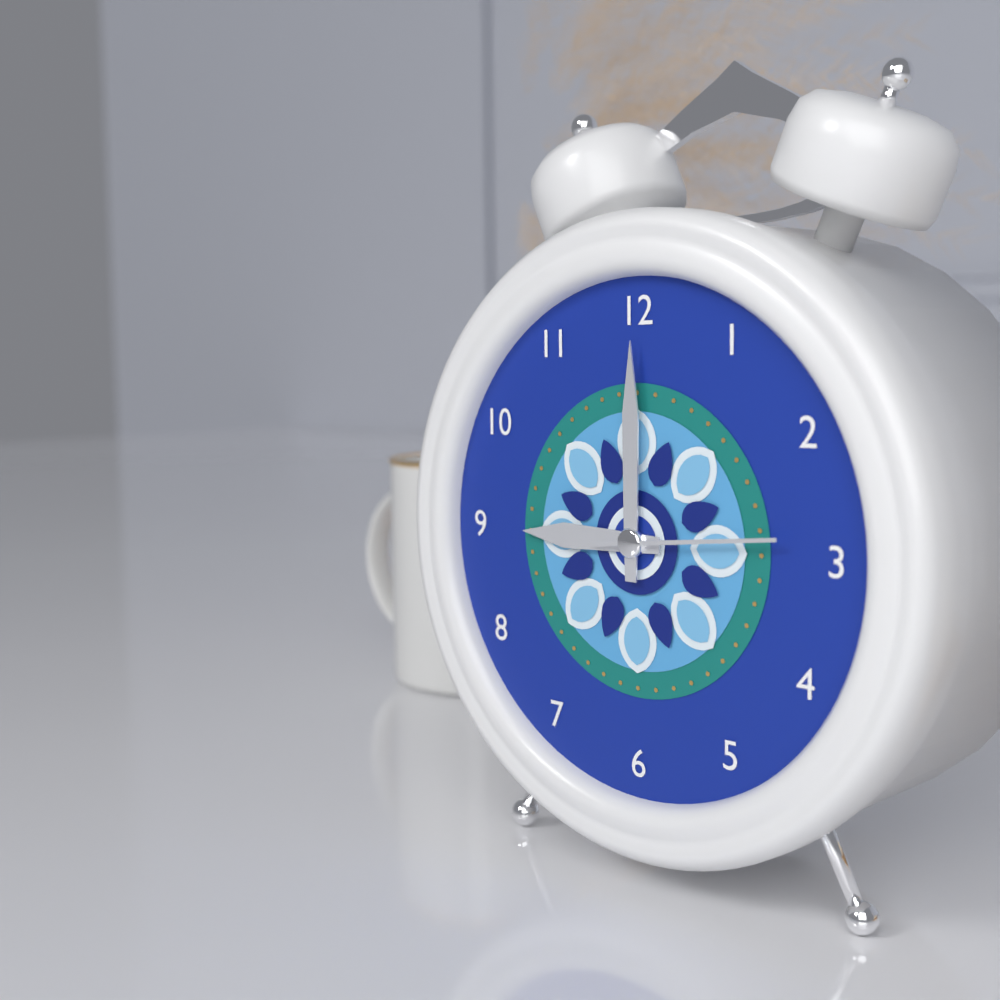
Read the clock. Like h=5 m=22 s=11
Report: h=9 m=0 s=14
